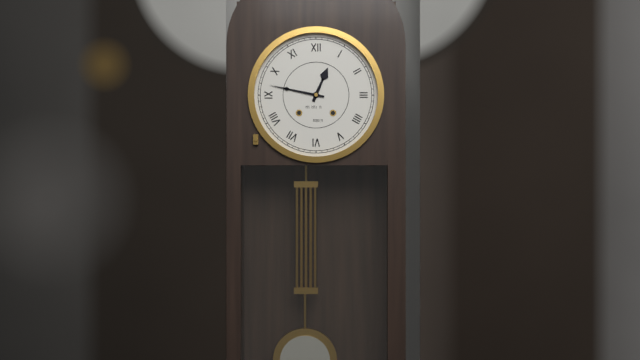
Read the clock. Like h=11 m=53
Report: h=12 m=47
